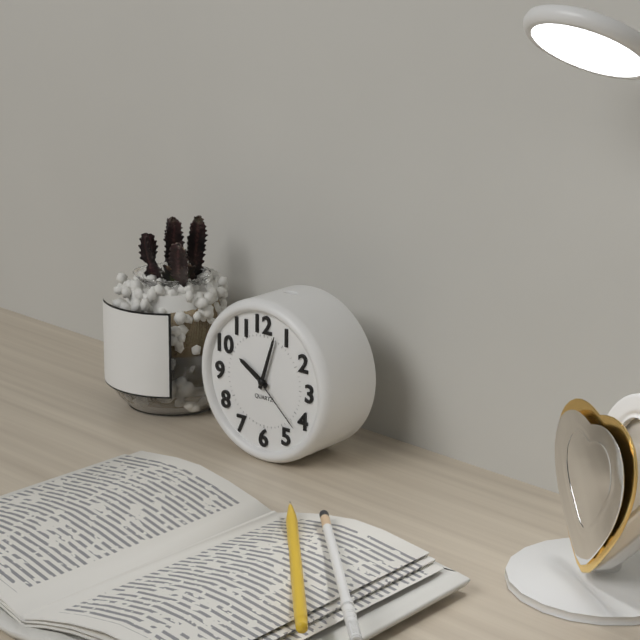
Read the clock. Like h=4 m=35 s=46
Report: h=10 m=3 s=22
